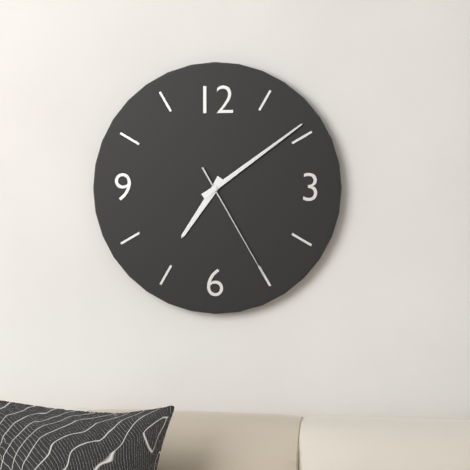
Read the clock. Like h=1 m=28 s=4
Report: h=7 m=9 s=25
